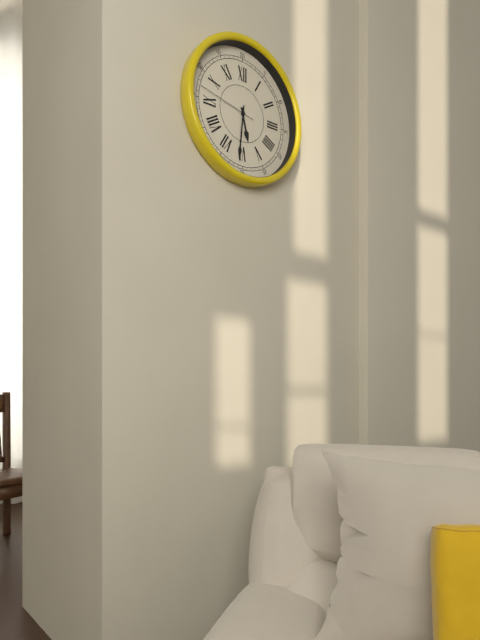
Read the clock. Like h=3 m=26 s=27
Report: h=5 m=31 s=47
